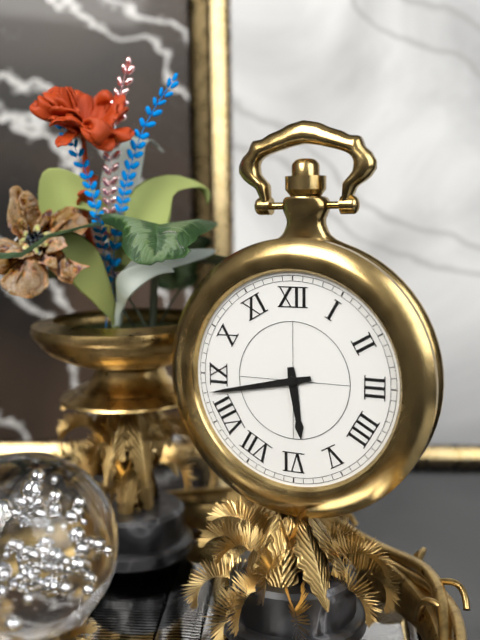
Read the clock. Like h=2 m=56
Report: h=5 m=43
